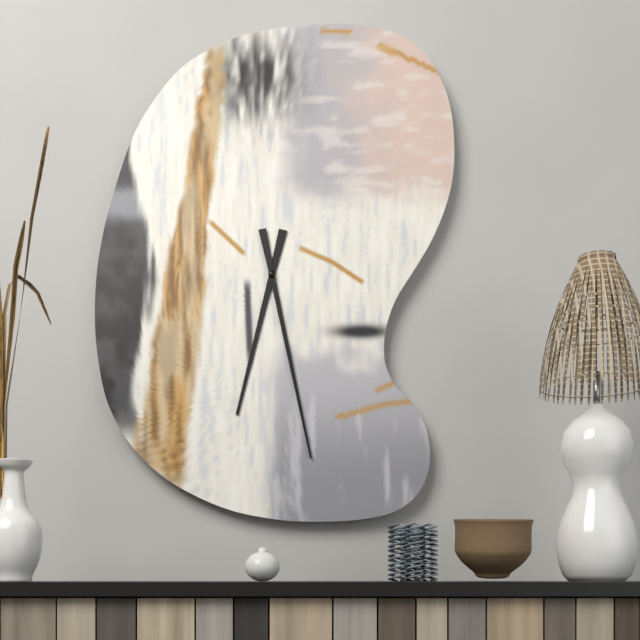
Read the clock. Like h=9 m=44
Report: h=6 m=28
